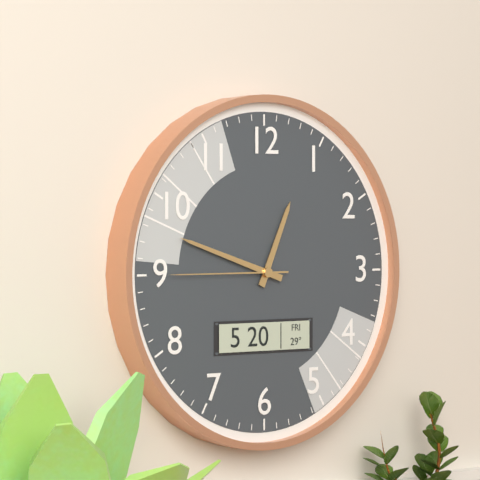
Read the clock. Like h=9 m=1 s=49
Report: h=12 m=48 s=45
